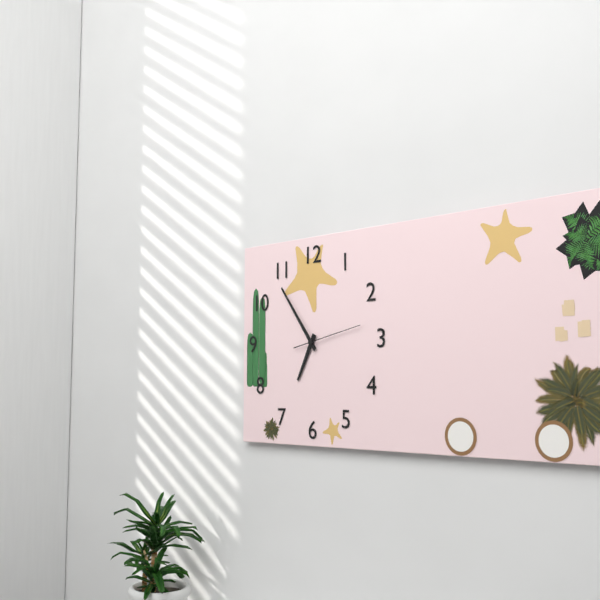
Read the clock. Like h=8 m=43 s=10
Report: h=6 m=54 s=13
